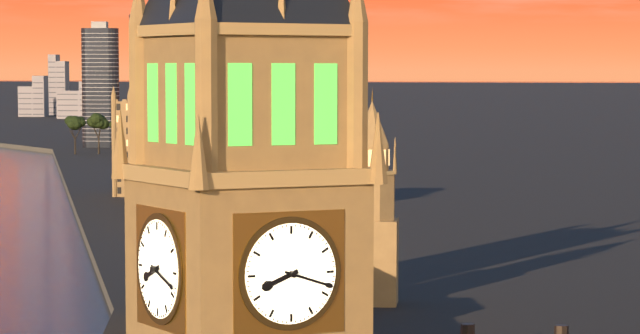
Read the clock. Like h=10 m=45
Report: h=8 m=18
